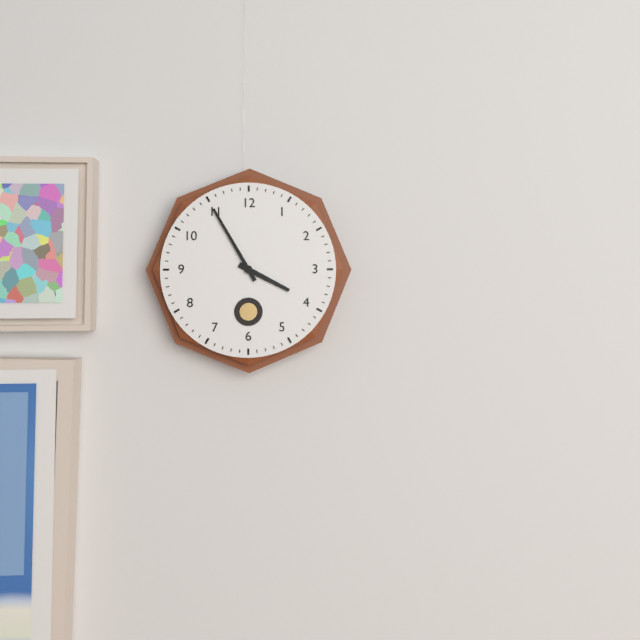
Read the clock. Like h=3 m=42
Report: h=3 m=55
